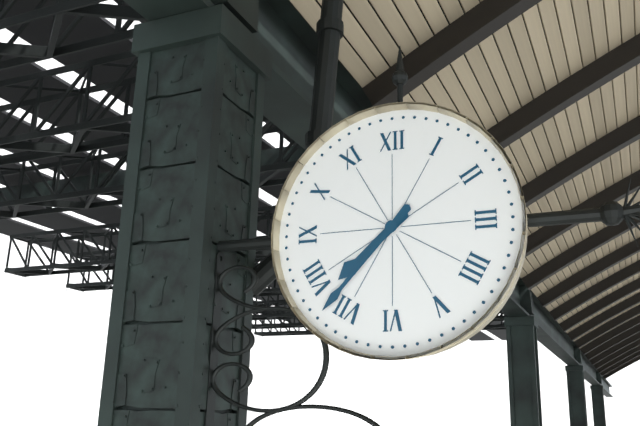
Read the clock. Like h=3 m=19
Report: h=7 m=37
